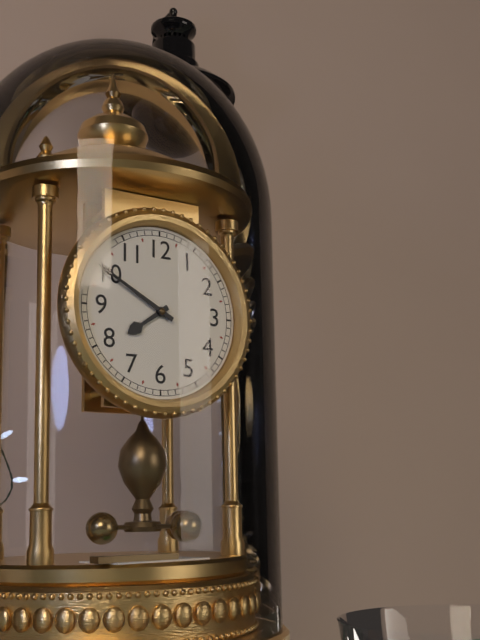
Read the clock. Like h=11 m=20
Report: h=7 m=50
